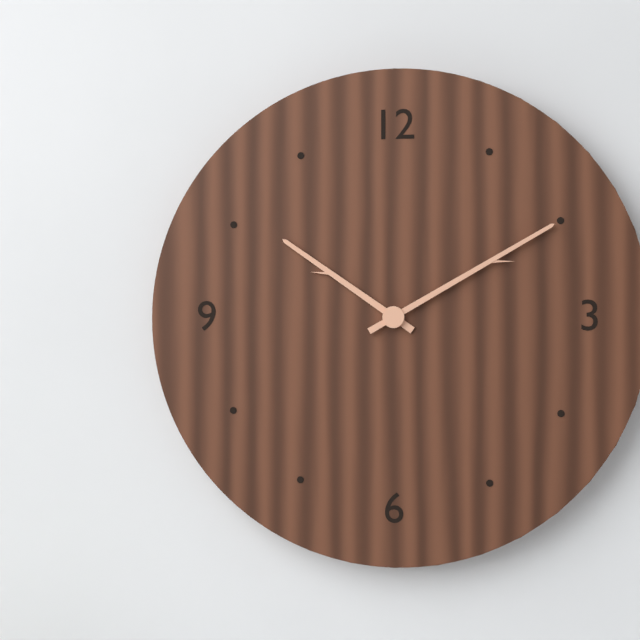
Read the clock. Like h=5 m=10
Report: h=10 m=10
